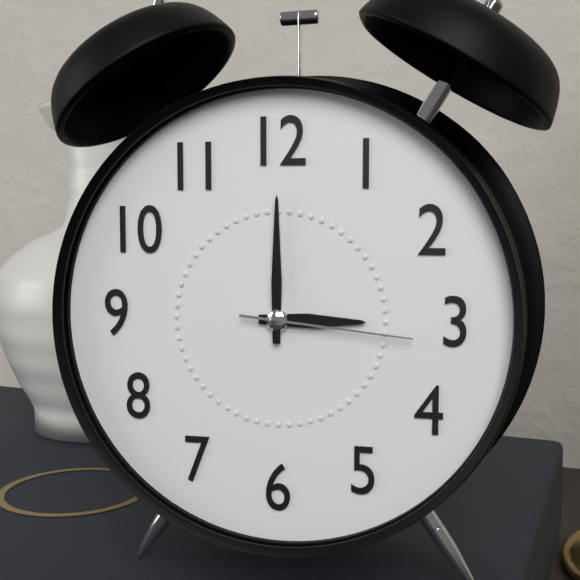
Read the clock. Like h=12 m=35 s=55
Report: h=3 m=0 s=16
